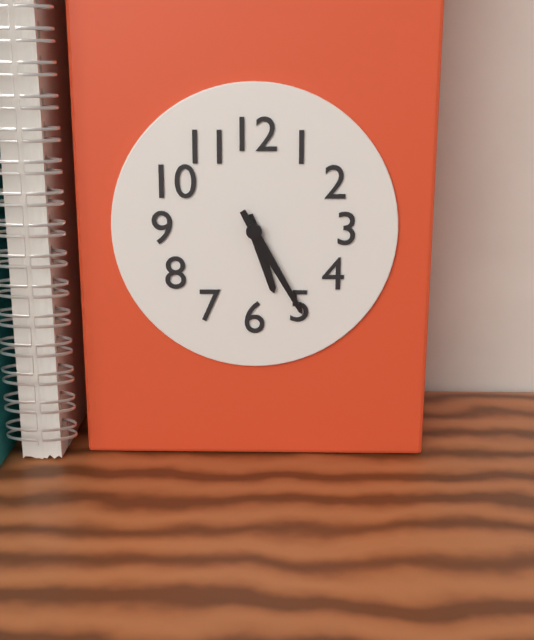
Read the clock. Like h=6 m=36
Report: h=5 m=25
